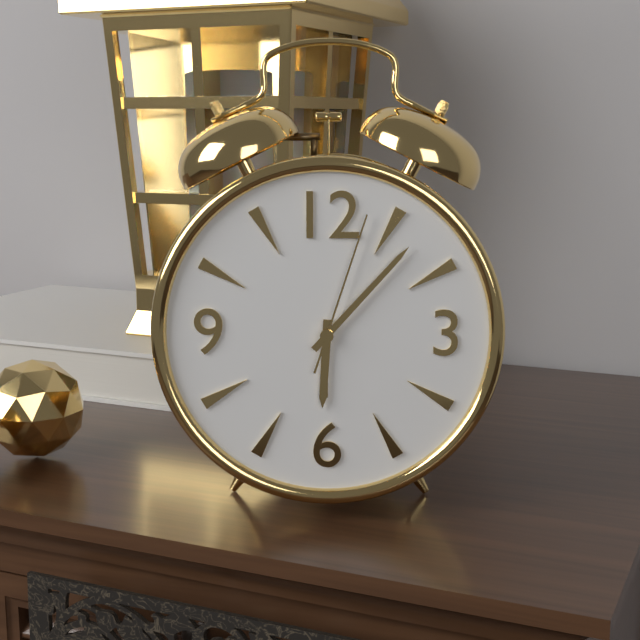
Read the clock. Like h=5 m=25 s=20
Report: h=6 m=7 s=3
